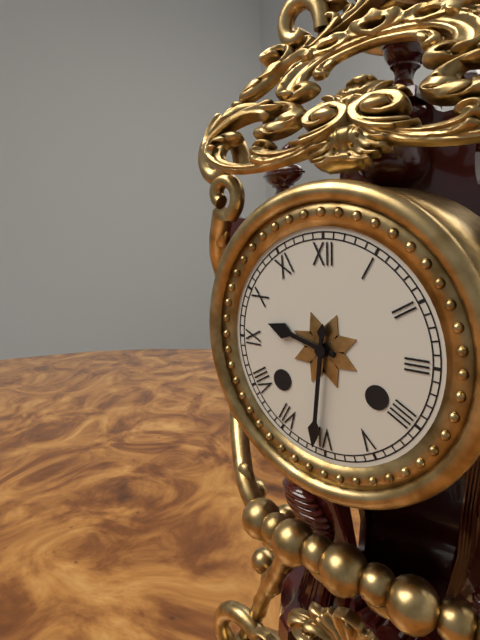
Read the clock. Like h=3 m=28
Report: h=9 m=31
